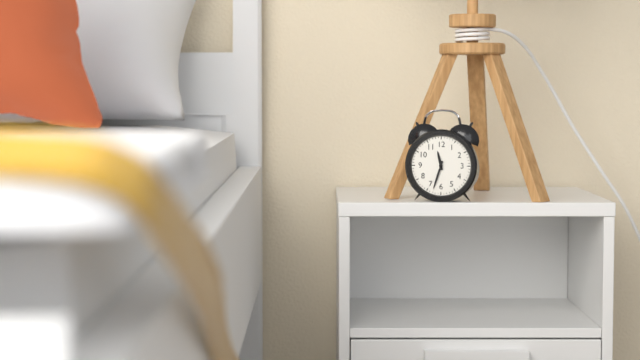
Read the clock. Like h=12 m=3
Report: h=11 m=33
